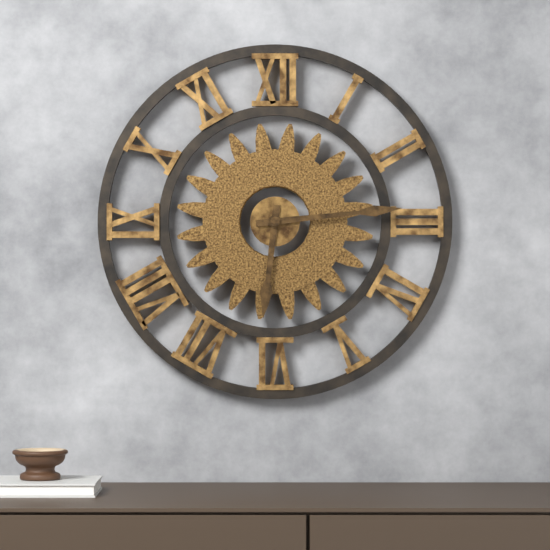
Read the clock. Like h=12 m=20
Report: h=6 m=14
